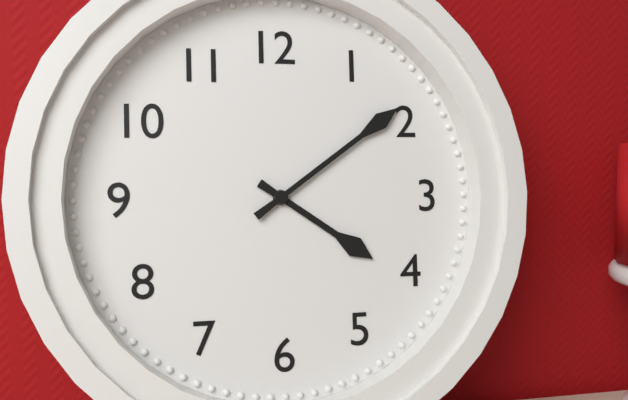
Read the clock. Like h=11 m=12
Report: h=4 m=9
